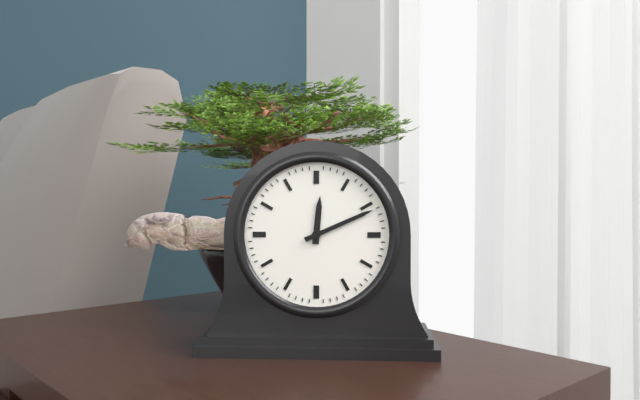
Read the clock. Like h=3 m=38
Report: h=12 m=11
